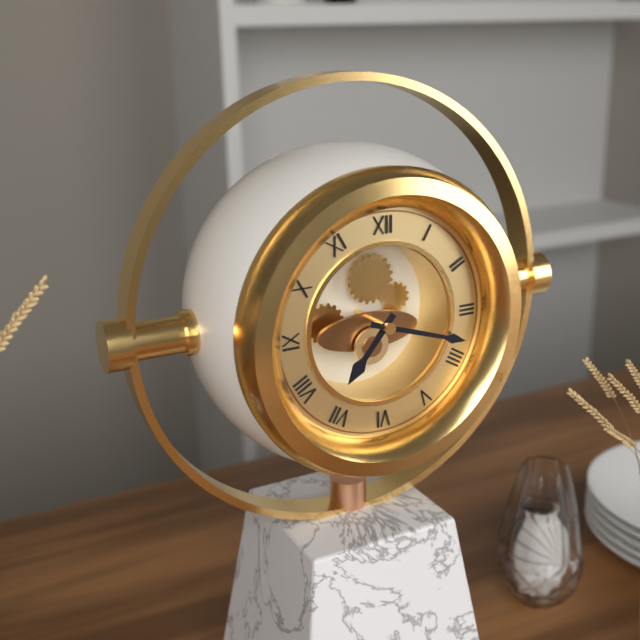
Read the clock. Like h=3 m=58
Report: h=7 m=18
